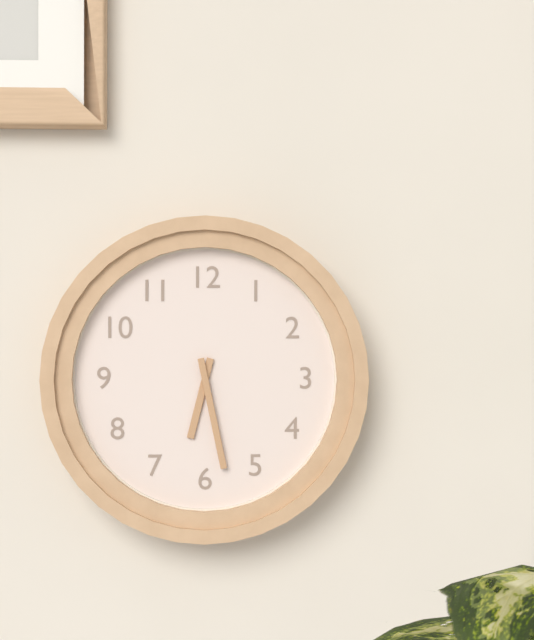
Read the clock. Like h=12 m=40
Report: h=6 m=28
